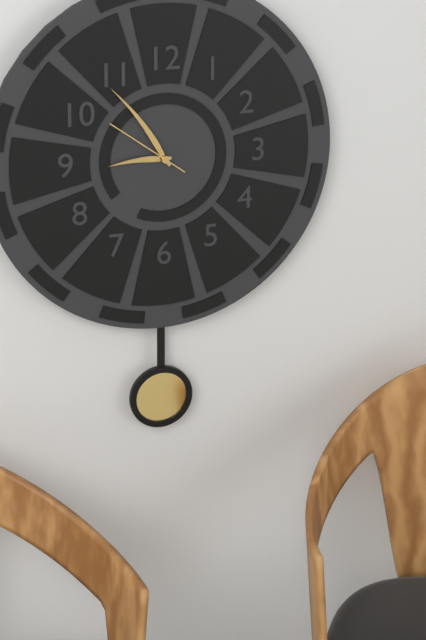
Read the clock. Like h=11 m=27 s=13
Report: h=8 m=54 s=51
